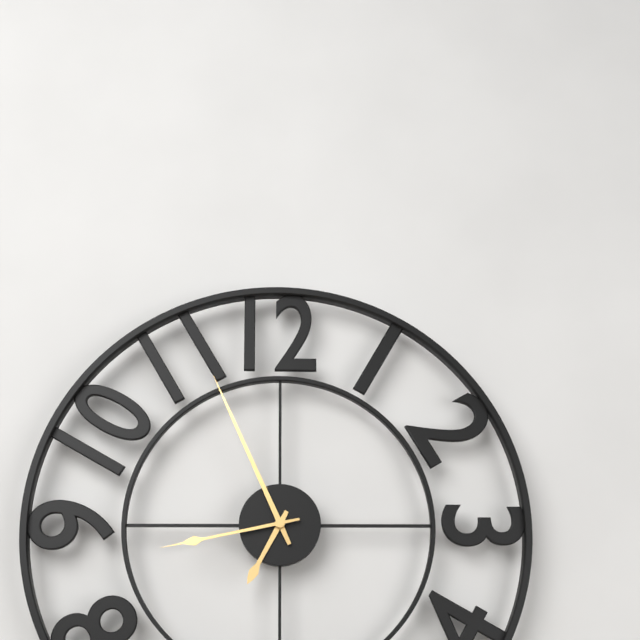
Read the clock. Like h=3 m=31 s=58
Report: h=6 m=56 s=43
